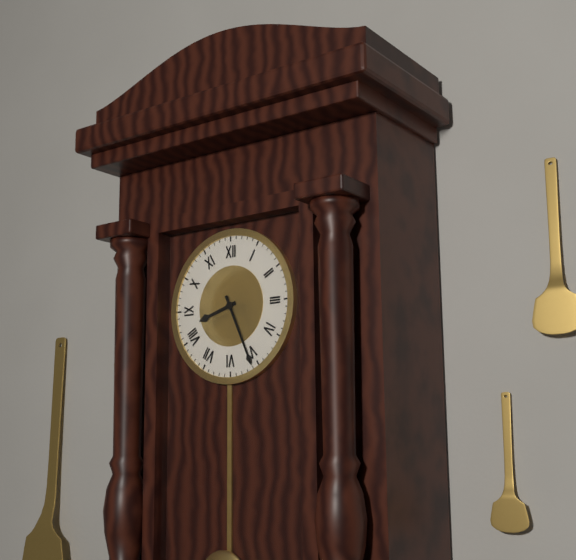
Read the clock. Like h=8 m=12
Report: h=8 m=26
